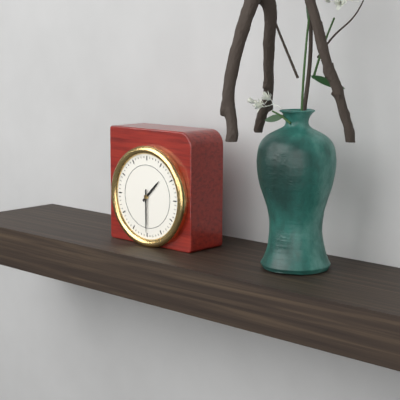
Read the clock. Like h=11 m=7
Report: h=1 m=30
